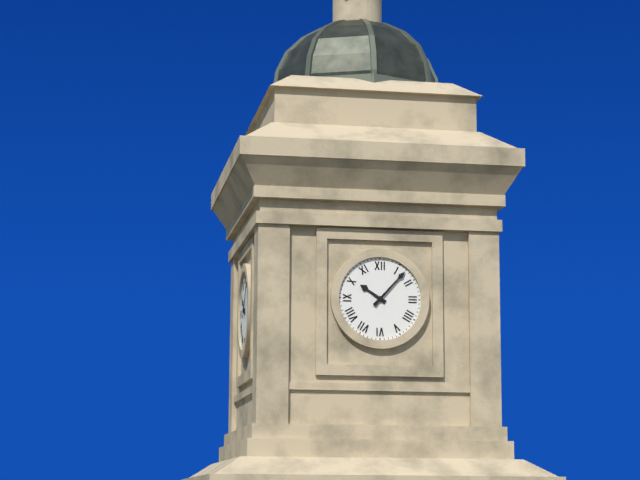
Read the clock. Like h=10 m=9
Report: h=10 m=7
